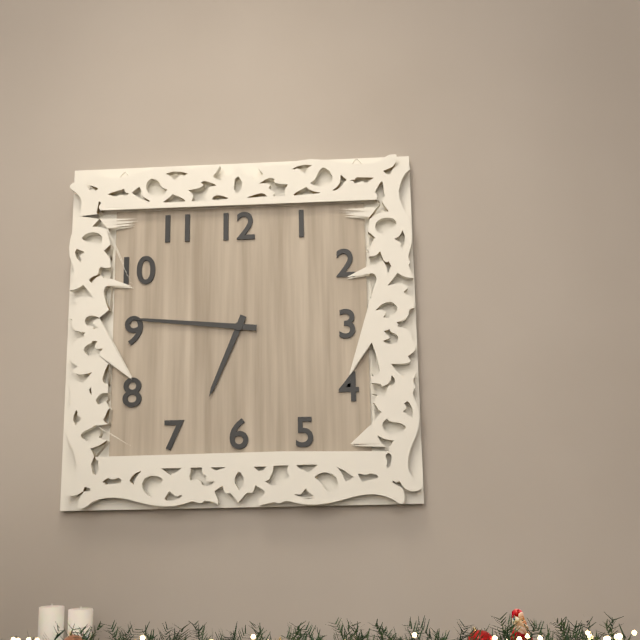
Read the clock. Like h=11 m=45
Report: h=6 m=46
